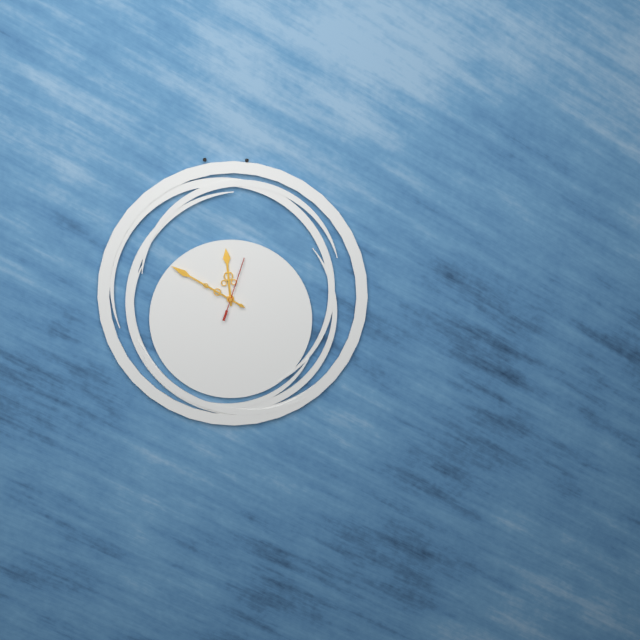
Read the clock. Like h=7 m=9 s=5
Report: h=11 m=50 s=3
